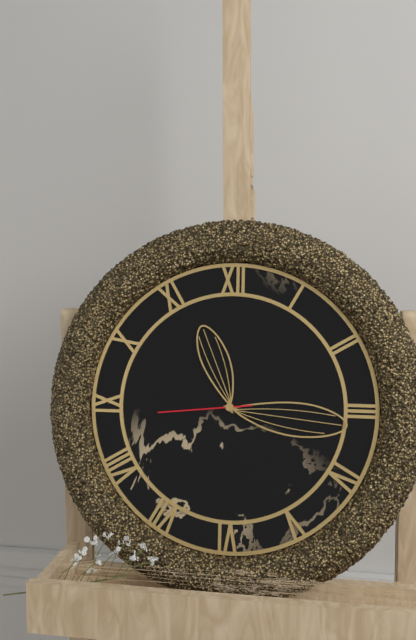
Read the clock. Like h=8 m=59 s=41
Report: h=11 m=16 s=44
